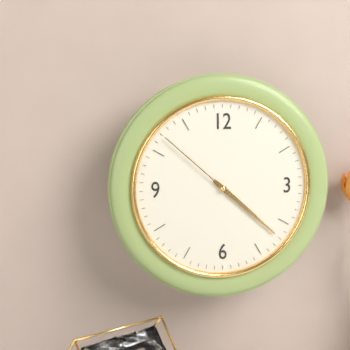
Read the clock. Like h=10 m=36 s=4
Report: h=4 m=22 s=52
